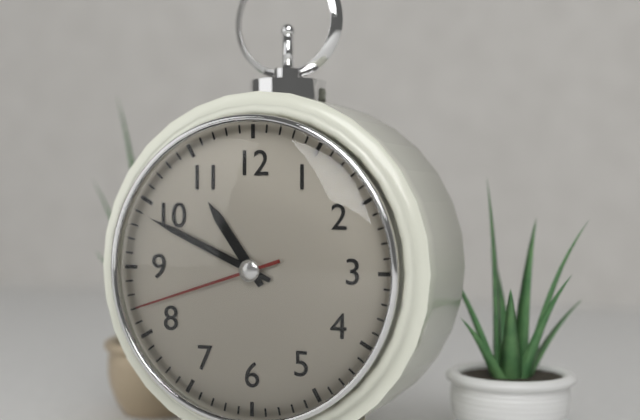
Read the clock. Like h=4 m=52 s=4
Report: h=10 m=49 s=42
